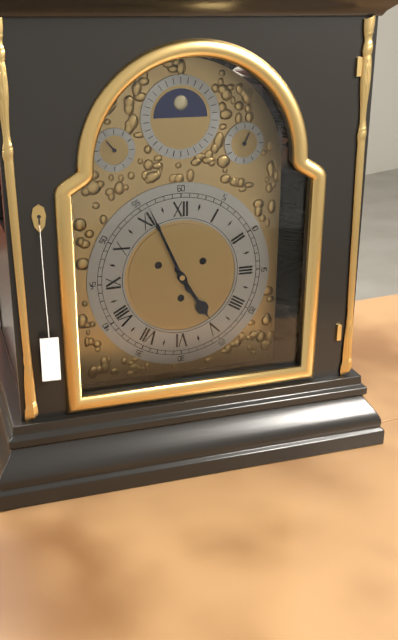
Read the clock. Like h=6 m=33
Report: h=4 m=56
